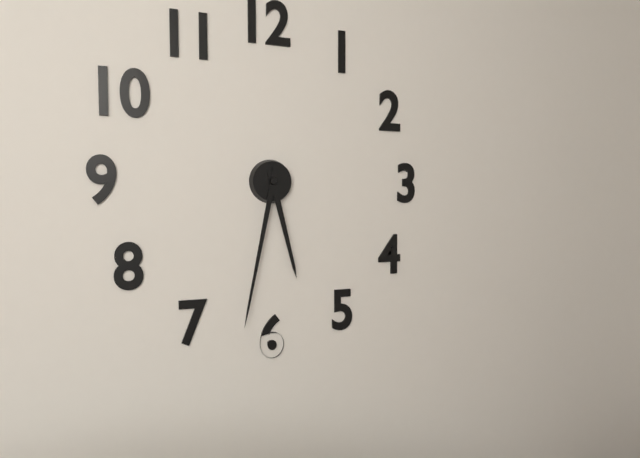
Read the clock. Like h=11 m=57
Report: h=5 m=32
